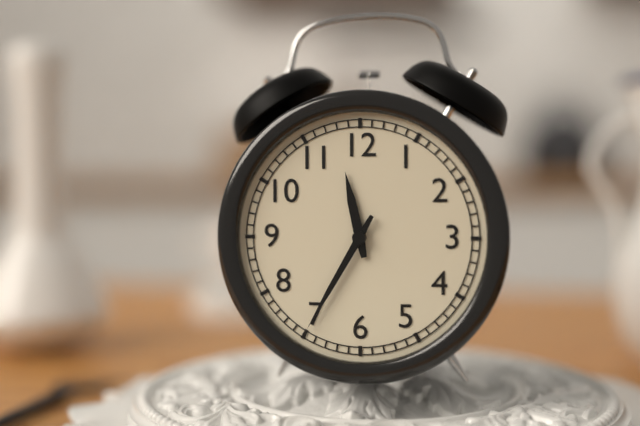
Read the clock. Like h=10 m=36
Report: h=11 m=35
